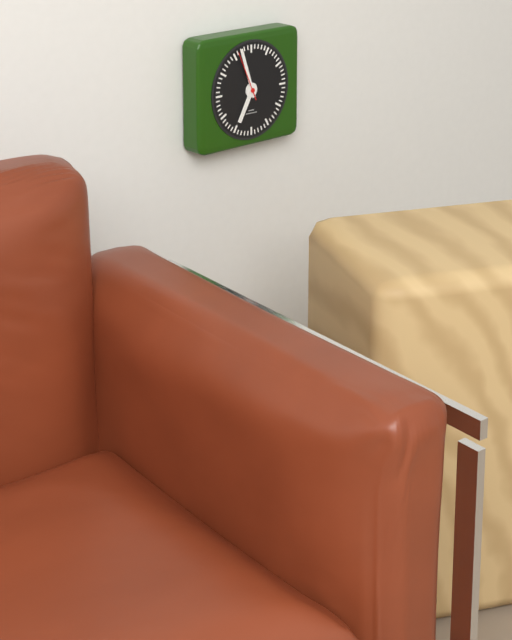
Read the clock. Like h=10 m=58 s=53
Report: h=6 m=57 s=56
